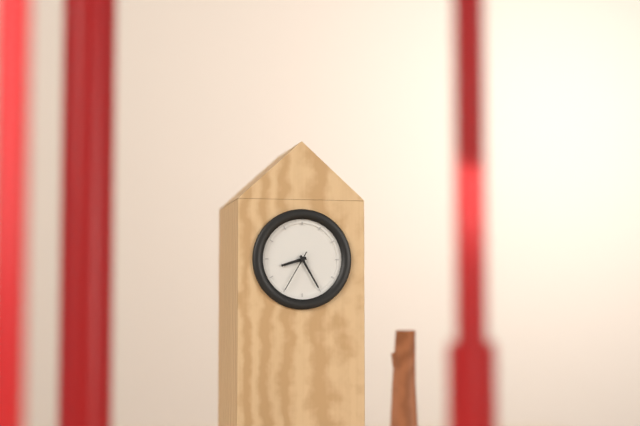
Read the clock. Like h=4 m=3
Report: h=8 m=25
